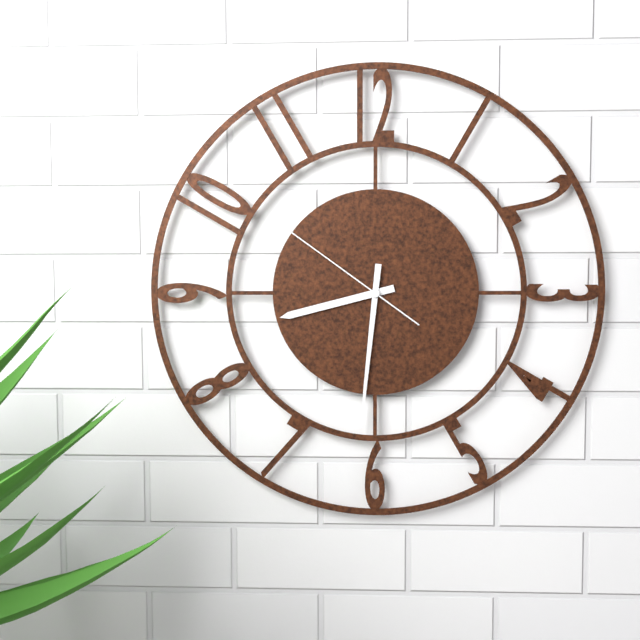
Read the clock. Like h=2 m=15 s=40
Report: h=8 m=31 s=51
